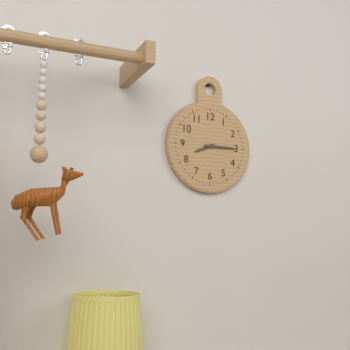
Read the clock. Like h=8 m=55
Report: h=8 m=15
